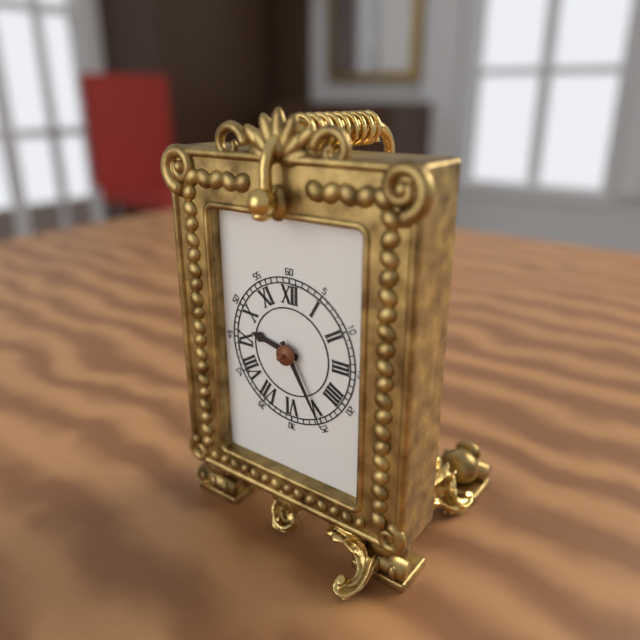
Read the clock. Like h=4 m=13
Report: h=9 m=25
